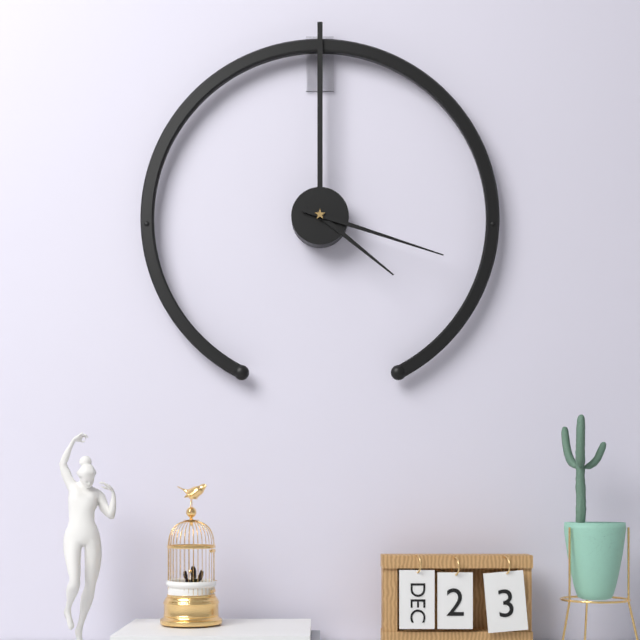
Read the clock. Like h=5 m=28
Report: h=4 m=18
